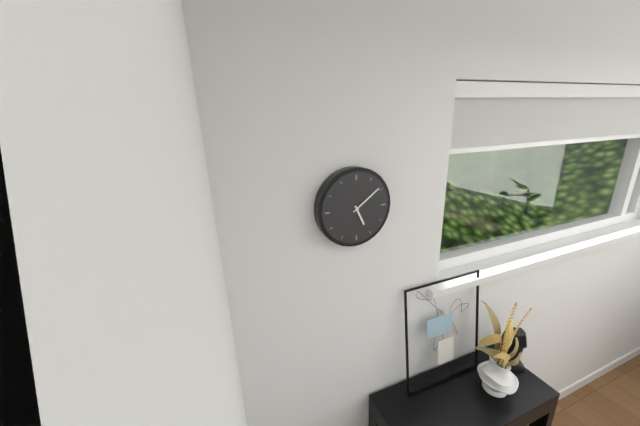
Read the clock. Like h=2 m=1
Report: h=5 m=9
